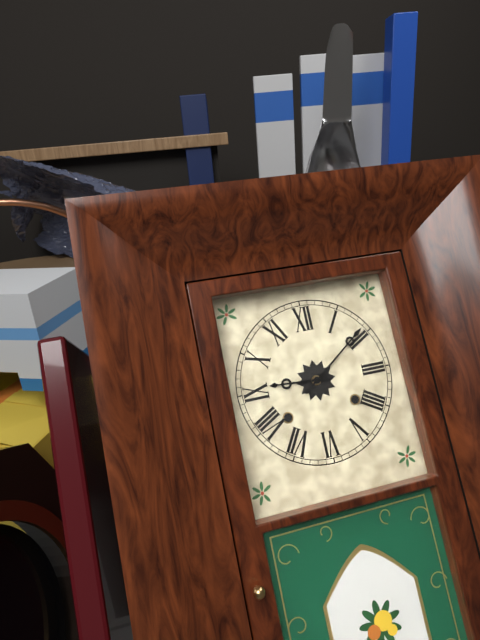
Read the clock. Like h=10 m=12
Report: h=9 m=9
